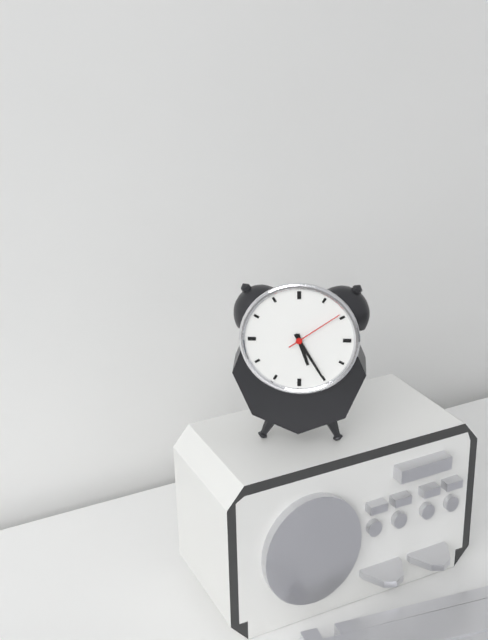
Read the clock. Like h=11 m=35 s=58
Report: h=5 m=25 s=9
